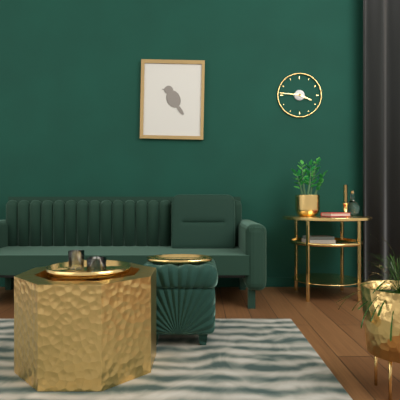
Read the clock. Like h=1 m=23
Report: h=3 m=46
